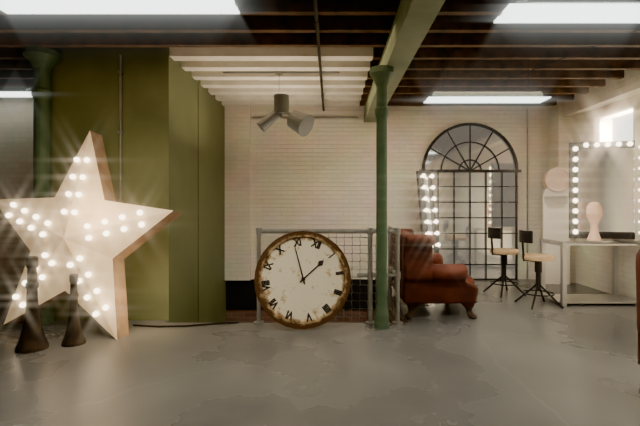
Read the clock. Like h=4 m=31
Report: h=12 m=54
